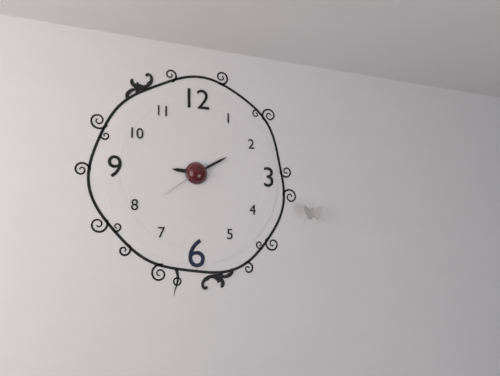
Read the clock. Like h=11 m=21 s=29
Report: h=9 m=10 s=39
